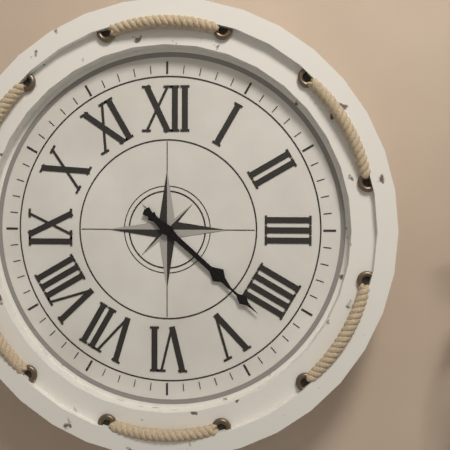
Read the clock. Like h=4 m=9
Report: h=4 m=22
